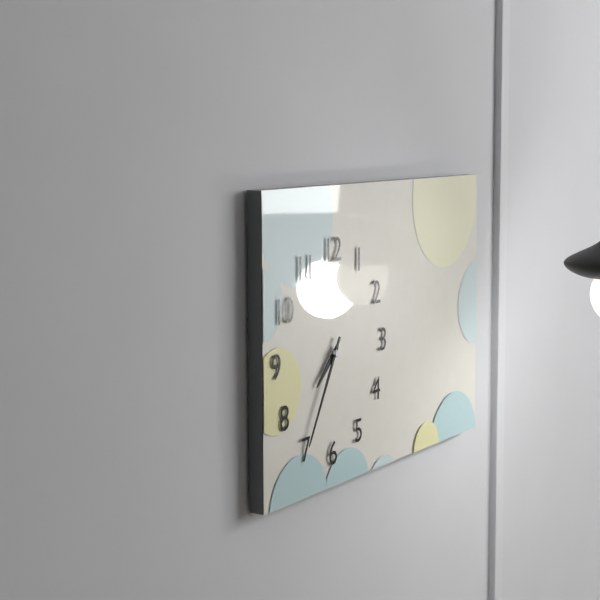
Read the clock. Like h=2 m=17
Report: h=7 m=35
